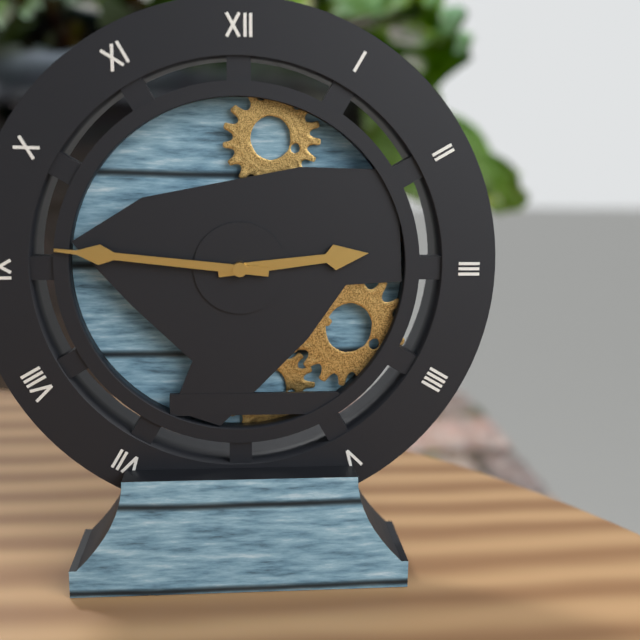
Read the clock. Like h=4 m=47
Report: h=2 m=46
